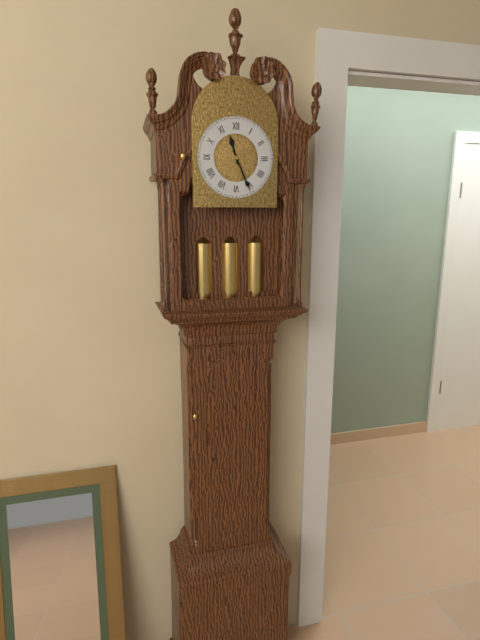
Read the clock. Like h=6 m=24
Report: h=11 m=26
